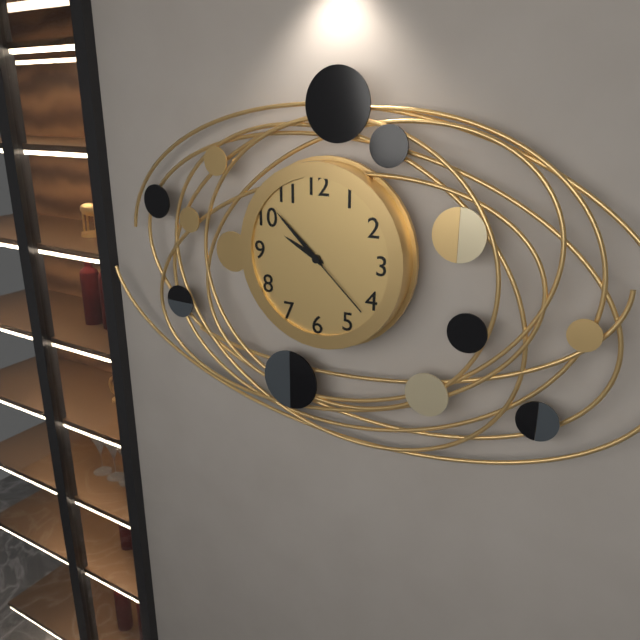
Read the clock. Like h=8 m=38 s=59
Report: h=9 m=52 s=22
